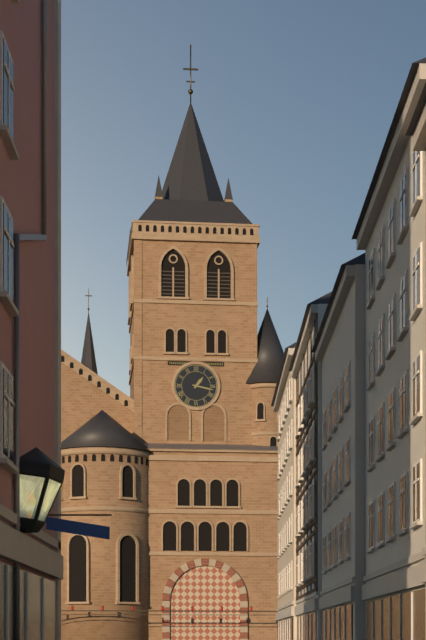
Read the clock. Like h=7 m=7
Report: h=1 m=17
